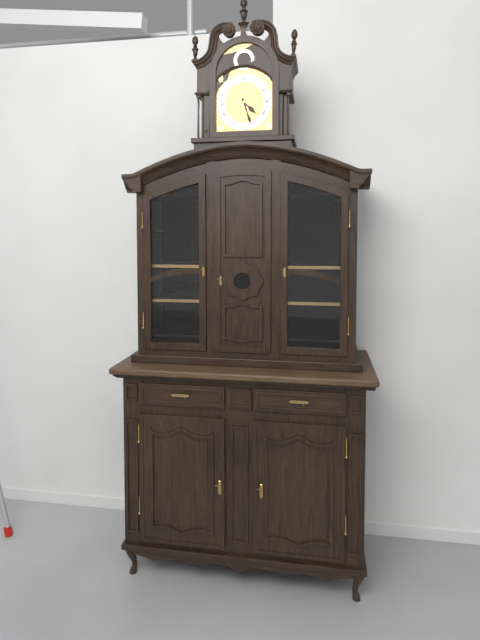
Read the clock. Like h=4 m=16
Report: h=4 m=27
